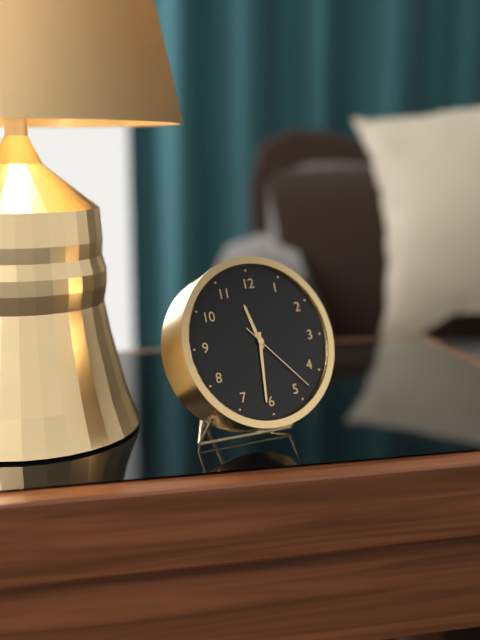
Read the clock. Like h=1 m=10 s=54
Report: h=11 m=31 s=23
